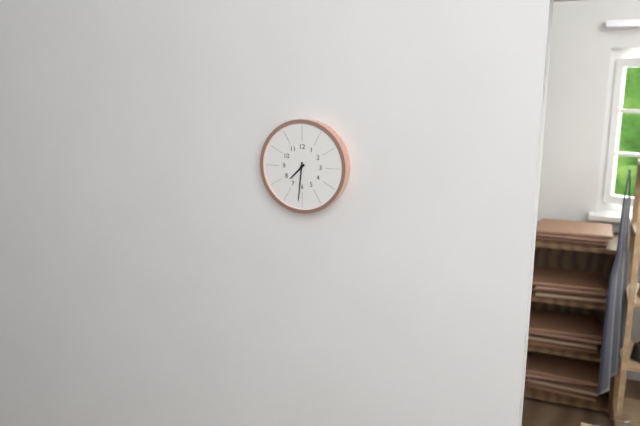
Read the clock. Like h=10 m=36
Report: h=7 m=31
